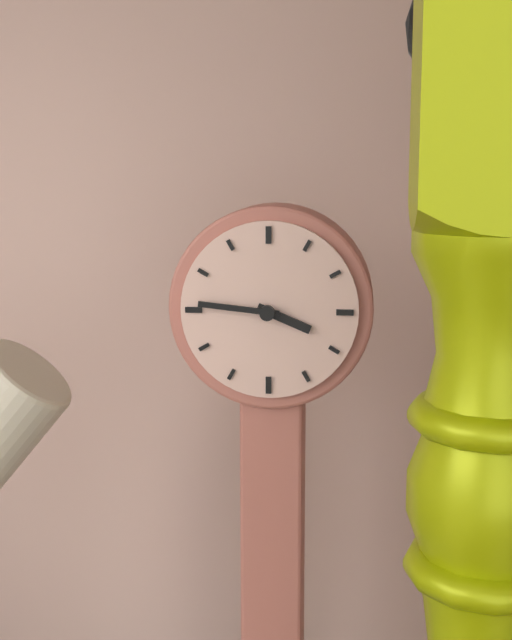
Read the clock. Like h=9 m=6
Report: h=3 m=46
